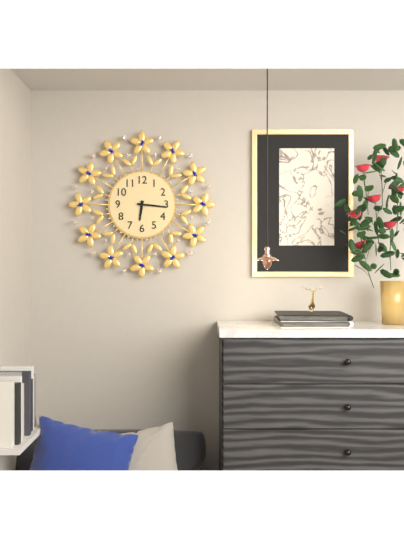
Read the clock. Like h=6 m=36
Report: h=6 m=16
